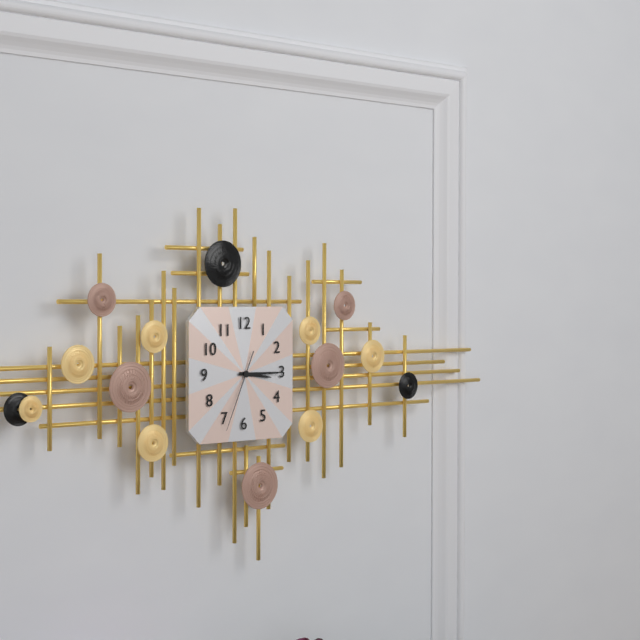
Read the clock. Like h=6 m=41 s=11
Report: h=3 m=15 s=34
